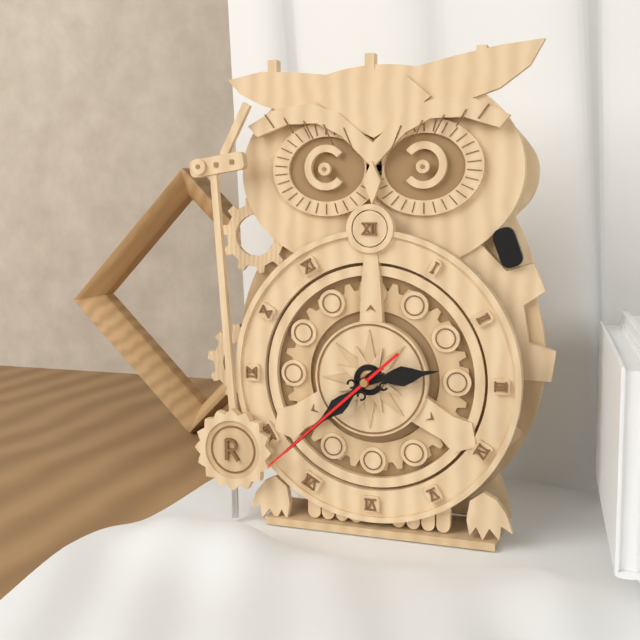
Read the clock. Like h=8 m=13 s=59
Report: h=2 m=38 s=38
